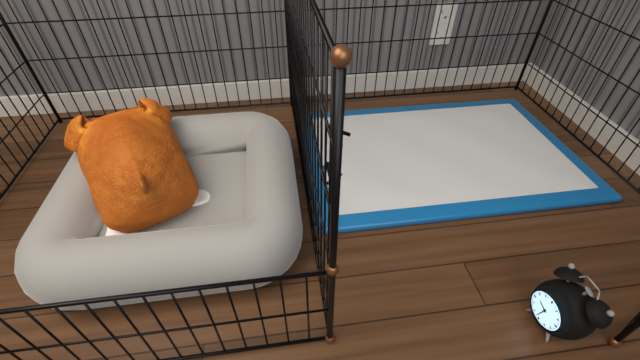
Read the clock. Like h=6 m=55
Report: h=9 m=32
